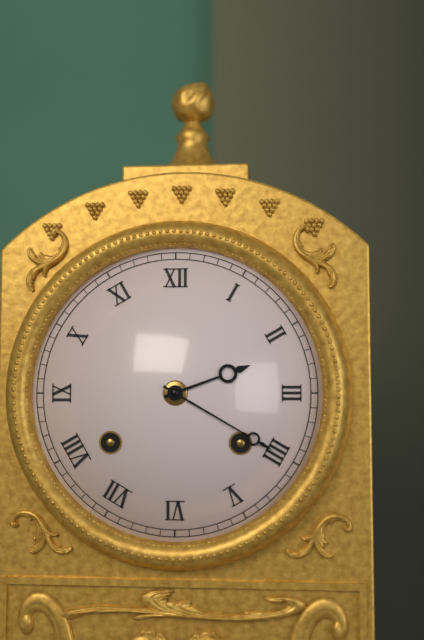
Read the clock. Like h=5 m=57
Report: h=2 m=20
